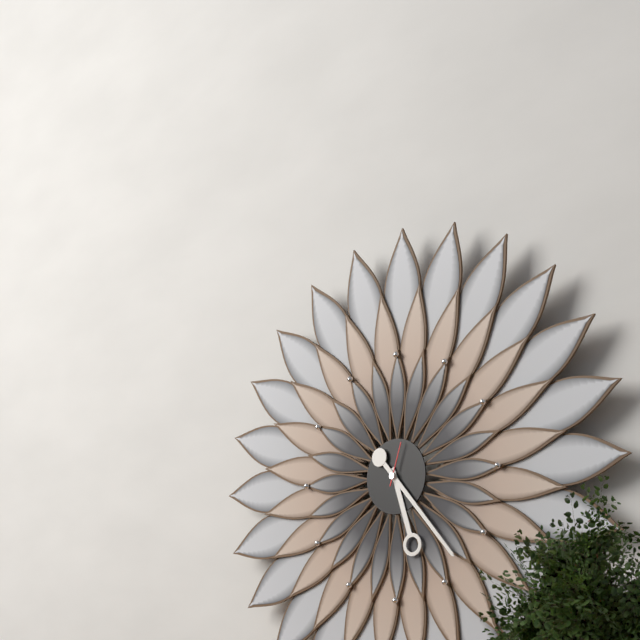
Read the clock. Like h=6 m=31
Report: h=5 m=23
